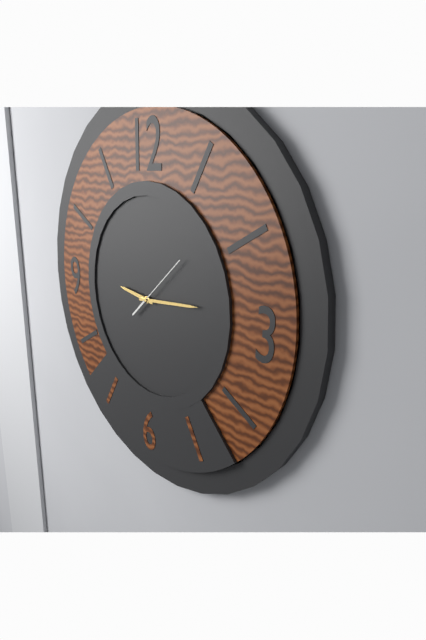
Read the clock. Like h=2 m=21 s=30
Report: h=9 m=14 s=8
